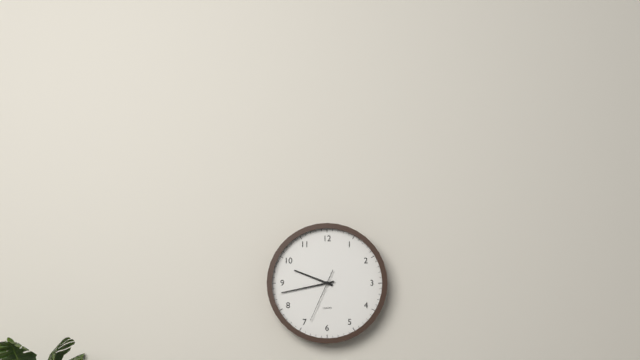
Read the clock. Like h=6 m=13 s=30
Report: h=9 m=43 s=34
